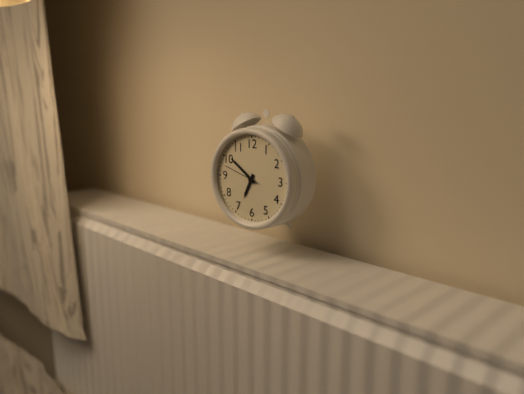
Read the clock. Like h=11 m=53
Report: h=6 m=51
